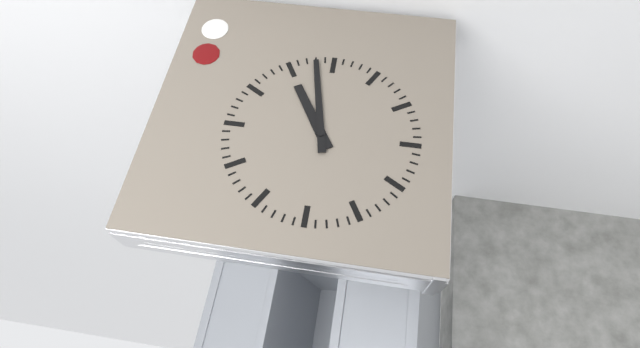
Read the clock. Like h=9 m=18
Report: h=10 m=58
